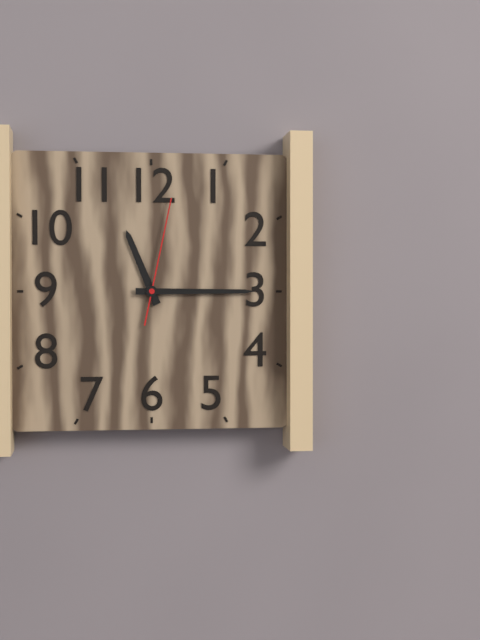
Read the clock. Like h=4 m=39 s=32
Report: h=11 m=15 s=2
